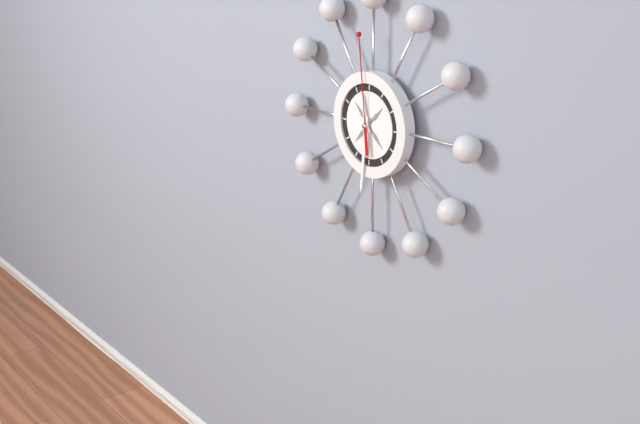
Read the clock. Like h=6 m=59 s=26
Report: h=11 m=31 s=59
